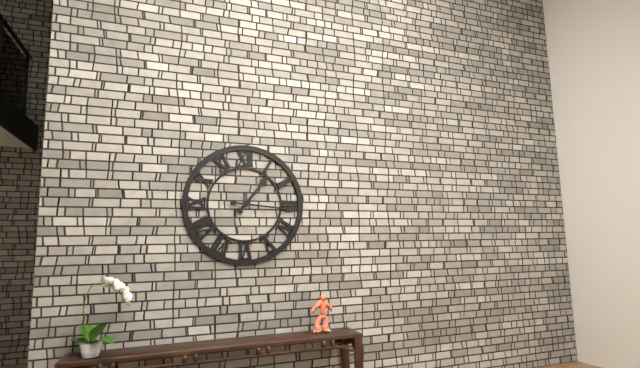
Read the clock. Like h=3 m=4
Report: h=1 m=16
